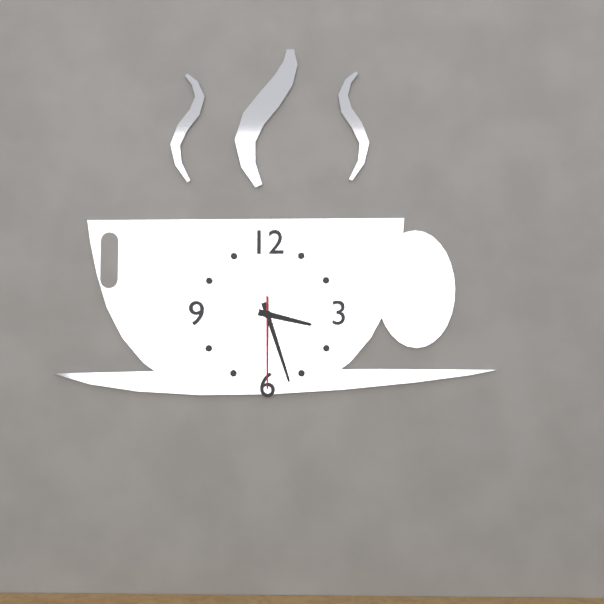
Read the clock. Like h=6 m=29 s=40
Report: h=3 m=27 s=30
